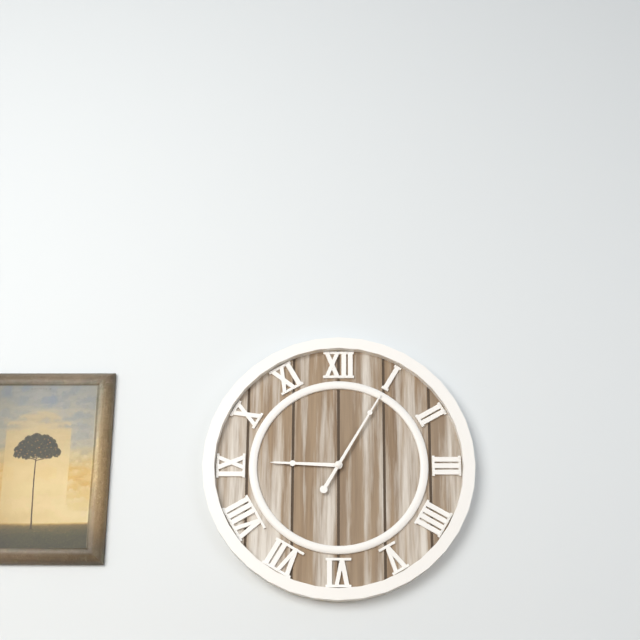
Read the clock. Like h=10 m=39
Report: h=9 m=5
